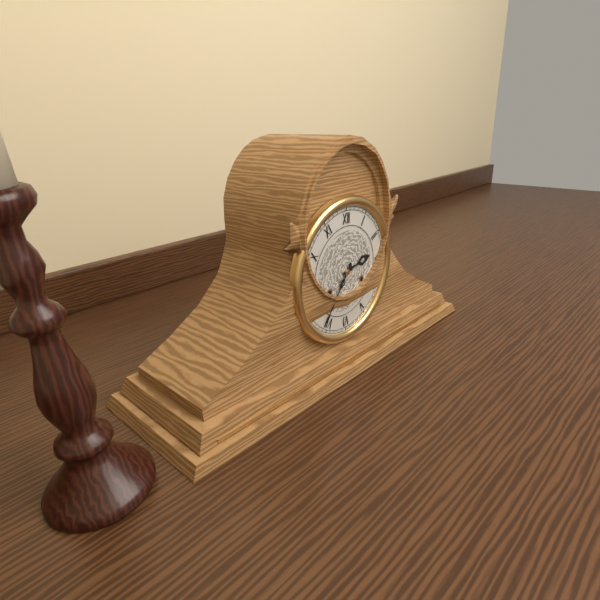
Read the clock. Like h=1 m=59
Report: h=2 m=36
